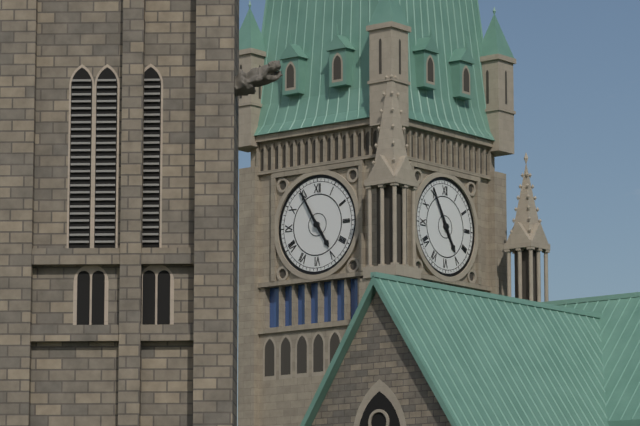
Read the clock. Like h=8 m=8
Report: h=4 m=55
